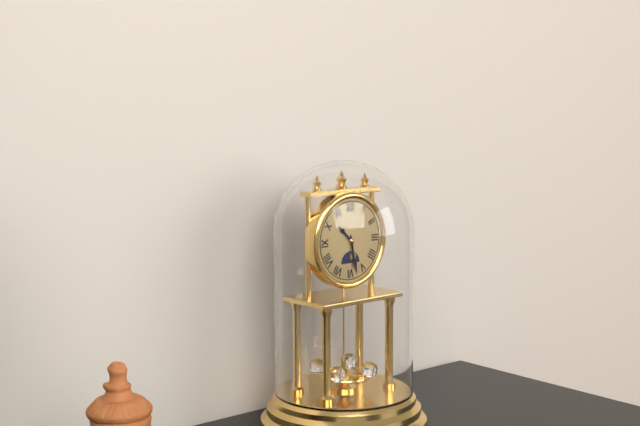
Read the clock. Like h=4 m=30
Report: h=10 m=28
